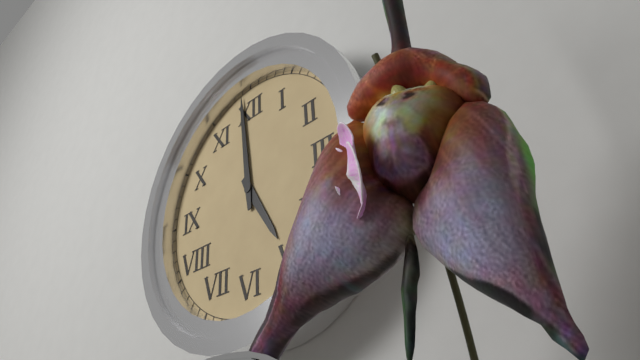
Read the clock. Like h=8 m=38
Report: h=4 m=59
